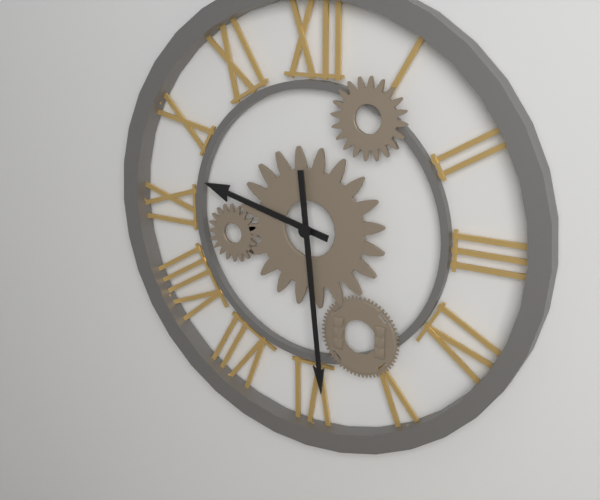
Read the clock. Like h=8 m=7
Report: h=9 m=29
